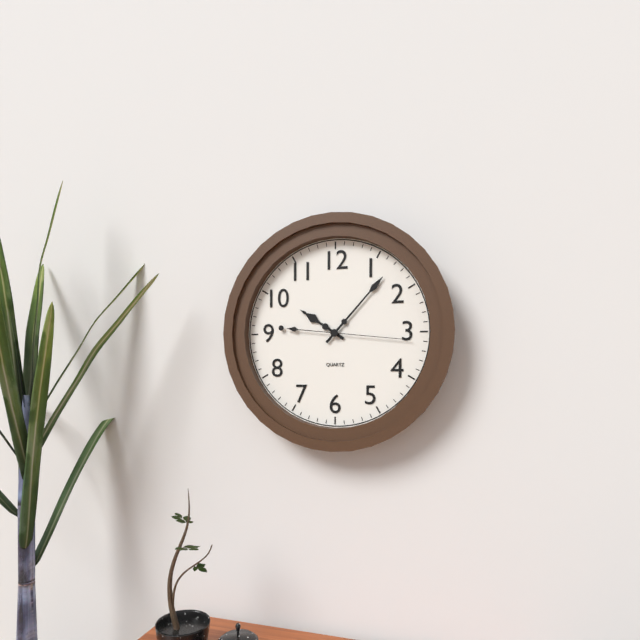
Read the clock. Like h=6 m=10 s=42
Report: h=10 m=7 s=16
